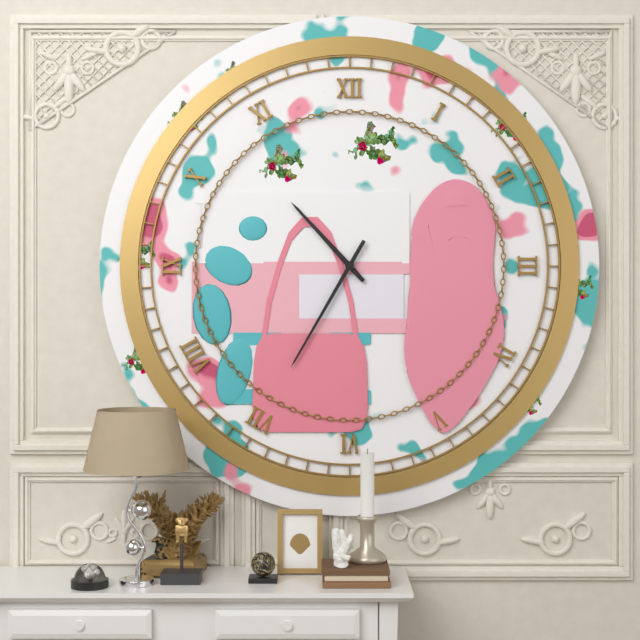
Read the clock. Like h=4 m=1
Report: h=10 m=35
